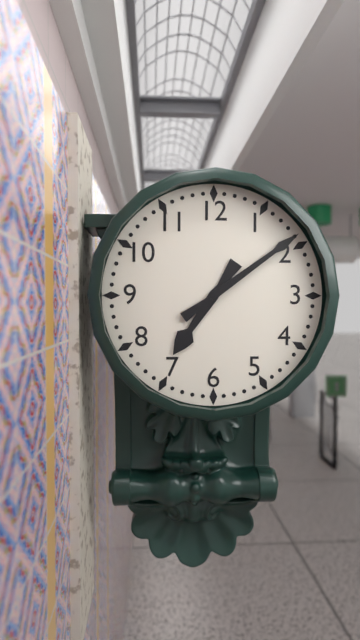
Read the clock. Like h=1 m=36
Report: h=7 m=9
